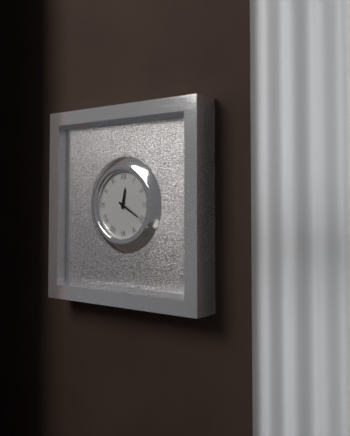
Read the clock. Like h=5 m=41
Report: h=12 m=20
